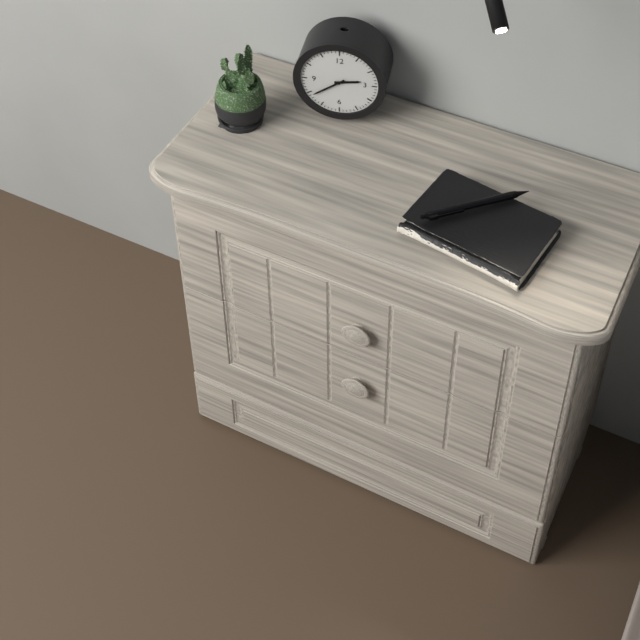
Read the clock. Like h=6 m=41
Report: h=2 m=39
